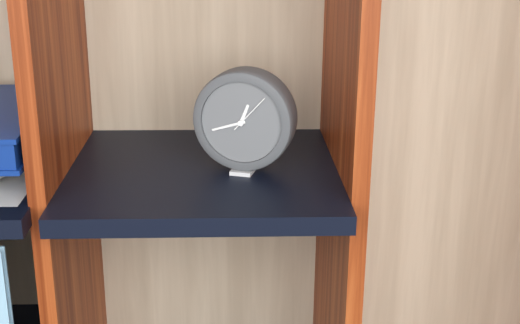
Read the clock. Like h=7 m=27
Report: h=12 m=42
